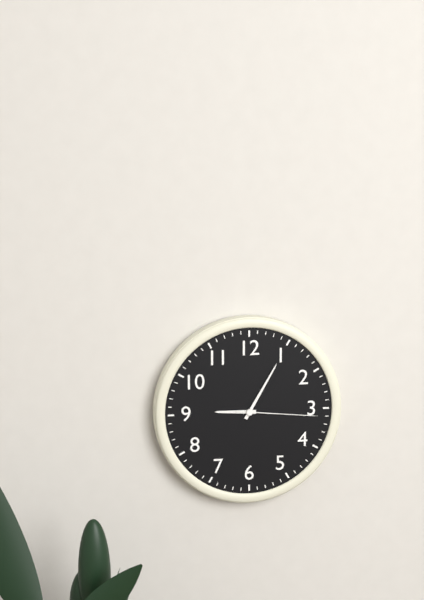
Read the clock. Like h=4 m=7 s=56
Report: h=9 m=5 s=16
